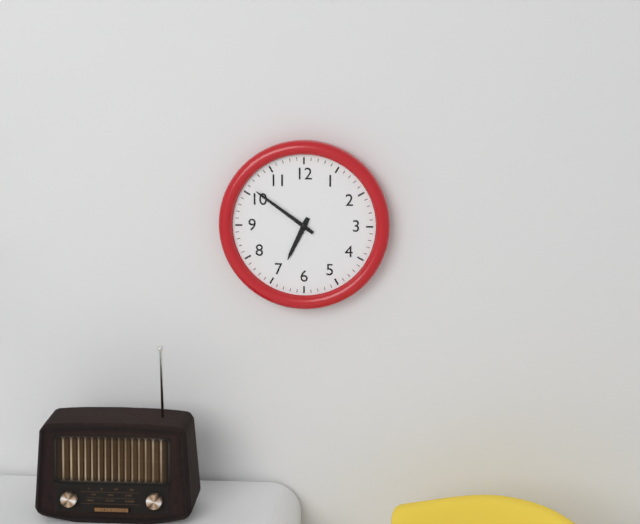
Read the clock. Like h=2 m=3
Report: h=6 m=51
